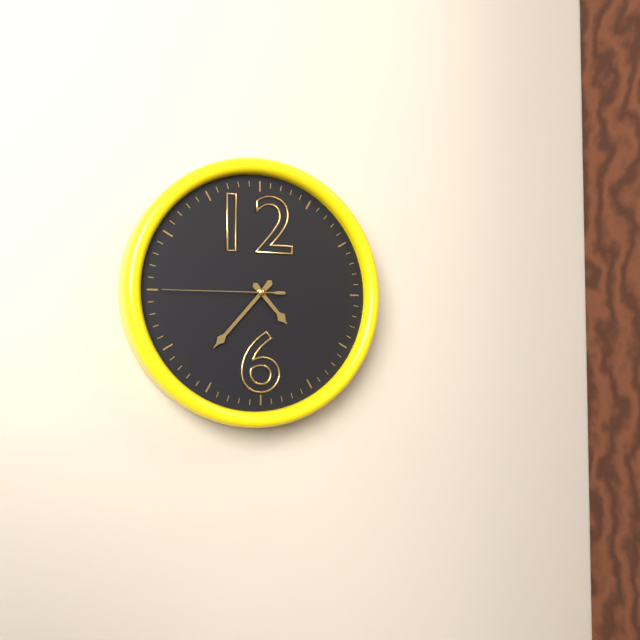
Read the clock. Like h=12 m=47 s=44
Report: h=4 m=37 s=45
